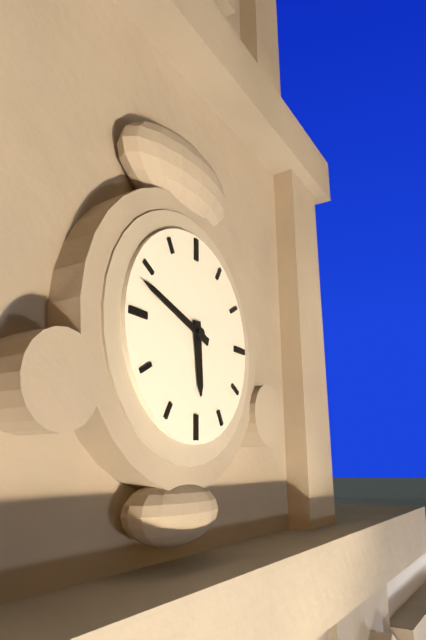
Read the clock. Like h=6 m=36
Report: h=5 m=48
